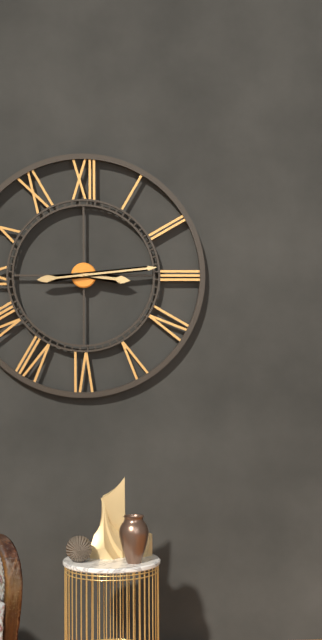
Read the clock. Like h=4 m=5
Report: h=3 m=14
